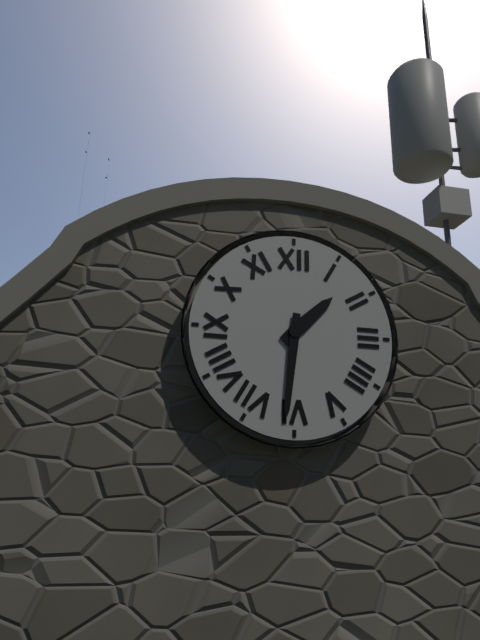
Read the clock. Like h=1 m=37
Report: h=1 m=31
